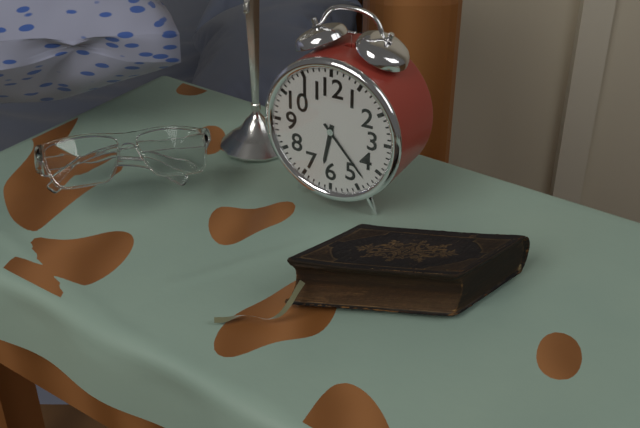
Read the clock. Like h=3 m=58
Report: h=6 m=23
